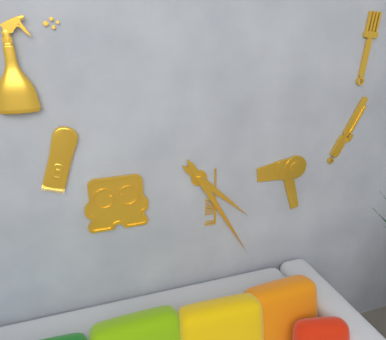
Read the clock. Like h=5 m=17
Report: h=4 m=25
